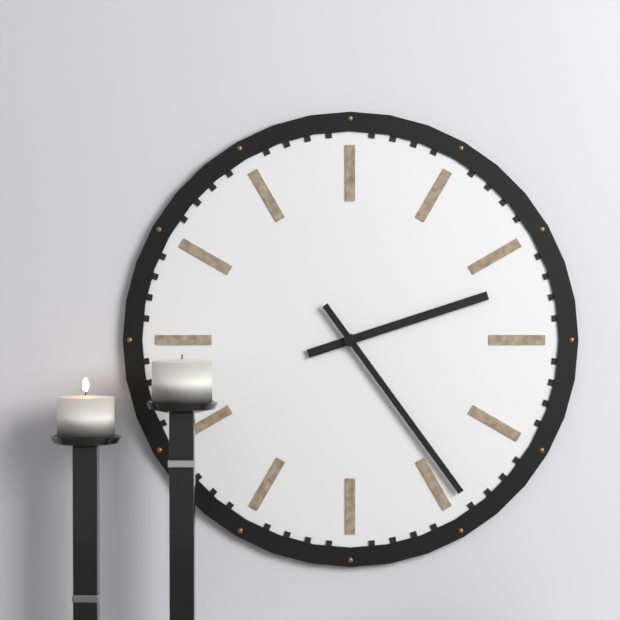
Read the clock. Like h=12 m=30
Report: h=2 m=24
